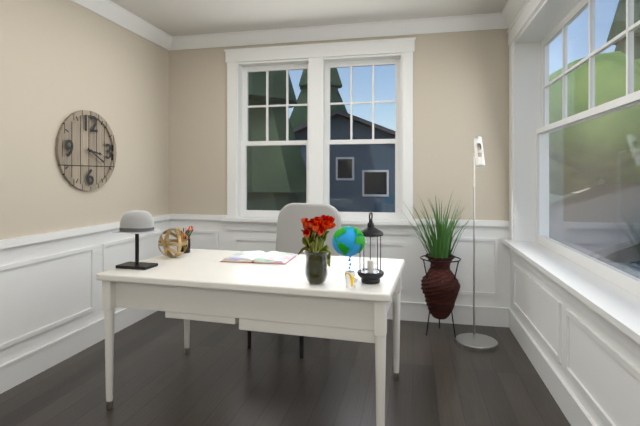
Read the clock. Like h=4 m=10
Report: h=3 m=20
